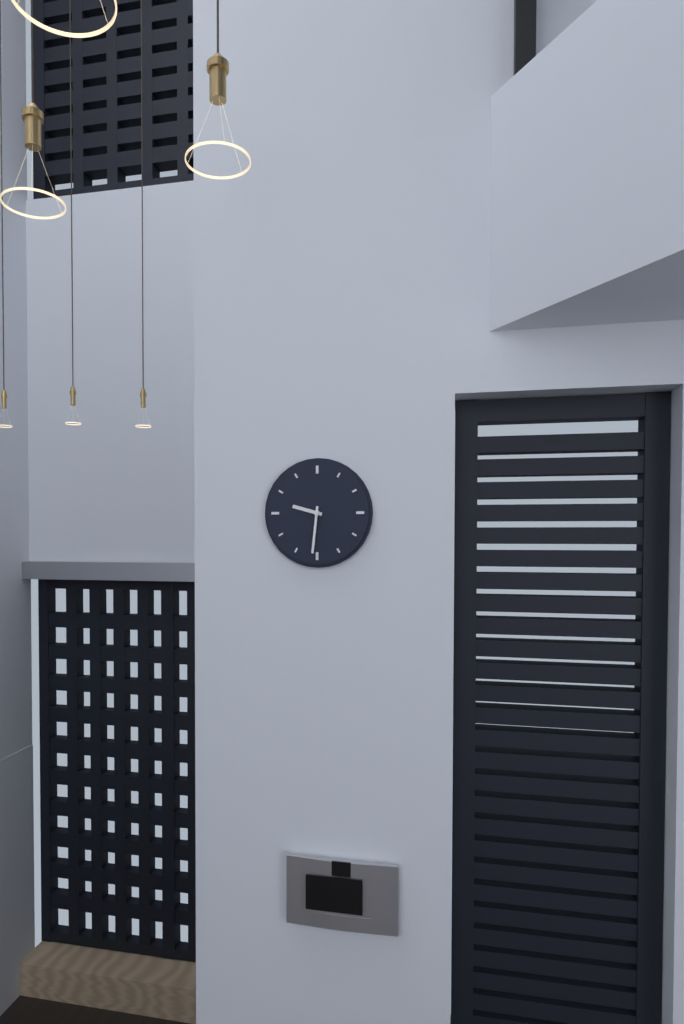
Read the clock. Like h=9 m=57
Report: h=9 m=31
